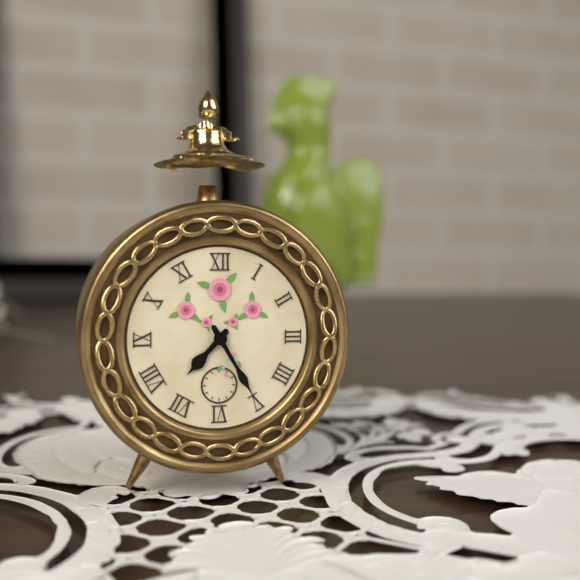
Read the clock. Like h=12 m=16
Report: h=7 m=25
